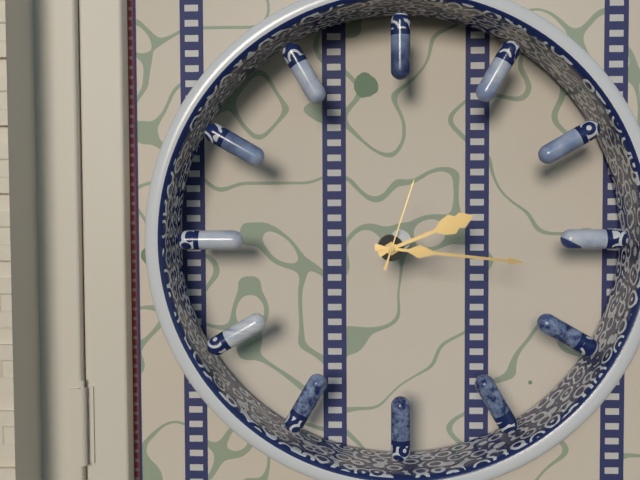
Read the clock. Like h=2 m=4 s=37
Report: h=2 m=16 s=3
